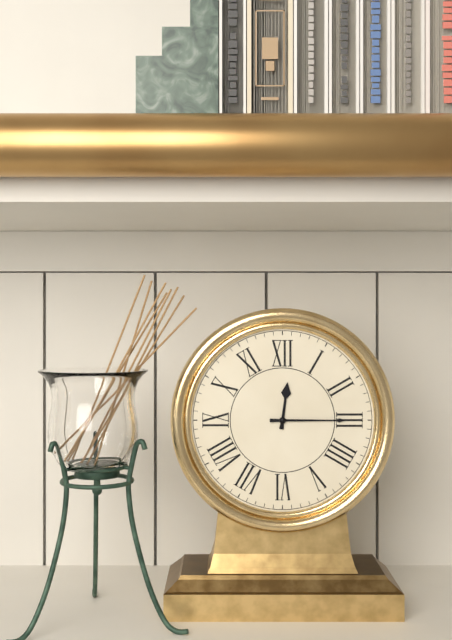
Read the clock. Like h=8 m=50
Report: h=12 m=15
